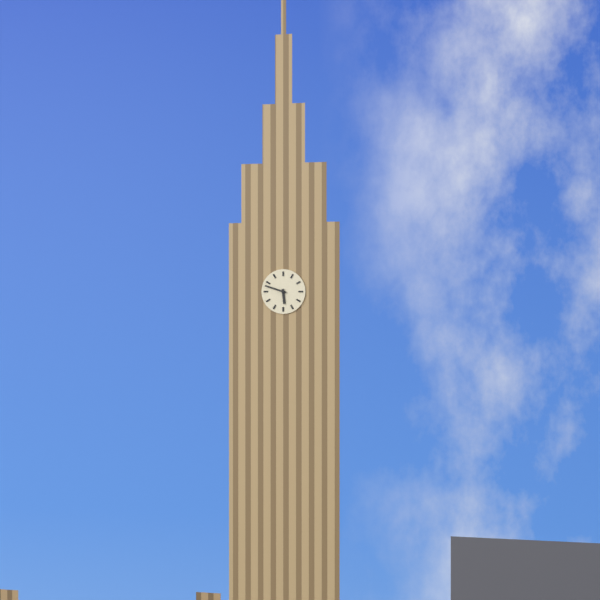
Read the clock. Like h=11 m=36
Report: h=5 m=48
